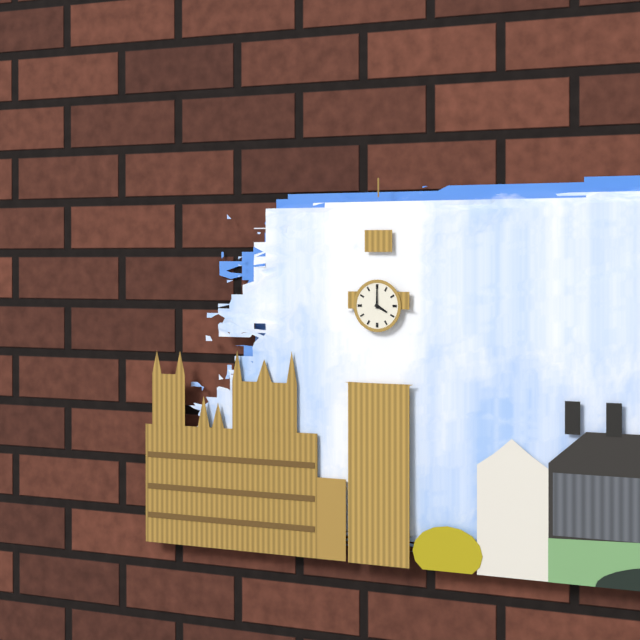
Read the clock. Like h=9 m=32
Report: h=4 m=0
